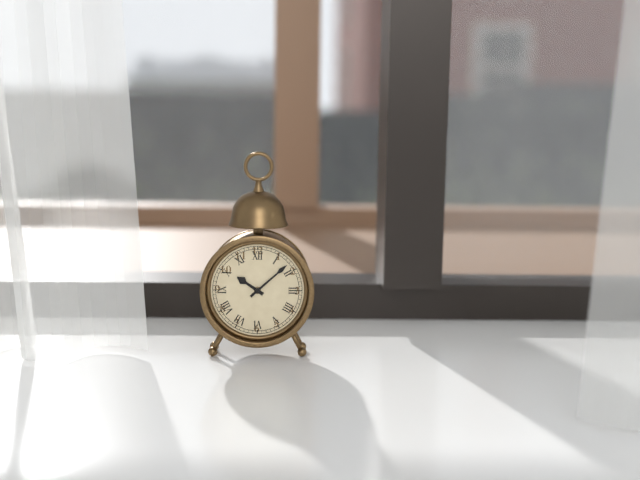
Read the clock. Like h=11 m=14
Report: h=10 m=8
